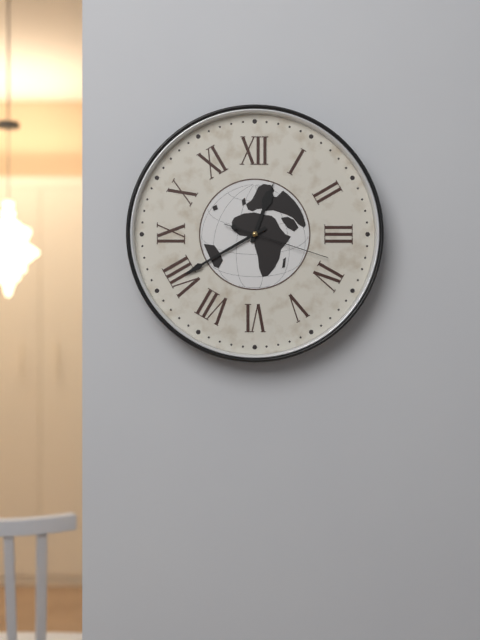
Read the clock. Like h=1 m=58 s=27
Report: h=12 m=40 s=18
